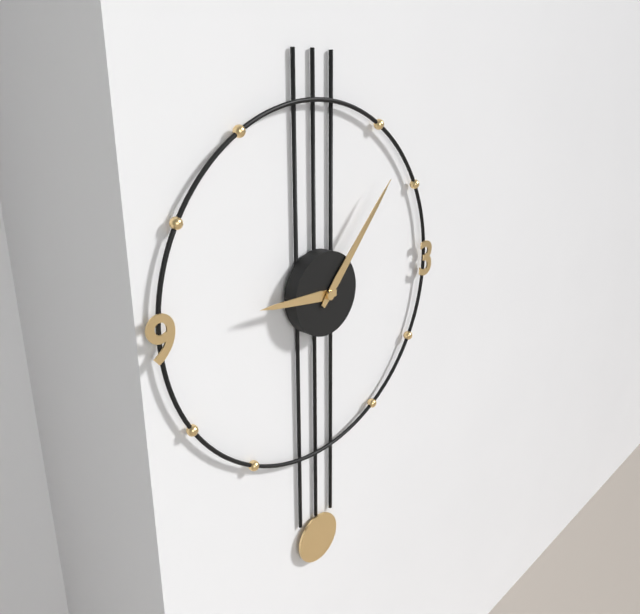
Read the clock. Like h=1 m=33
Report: h=9 m=7
